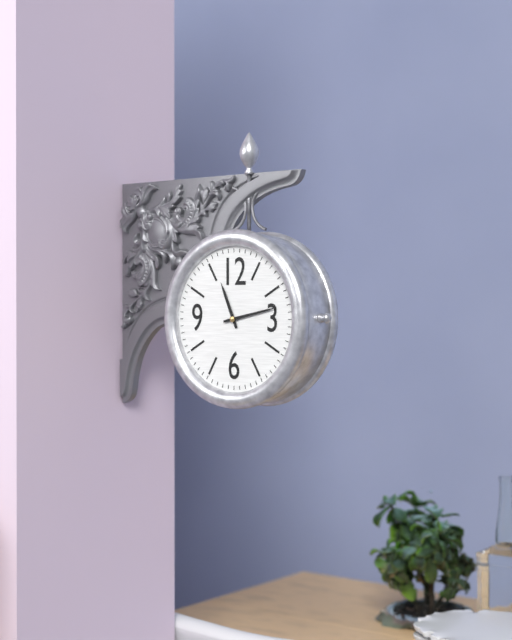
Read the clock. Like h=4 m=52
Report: h=11 m=13
